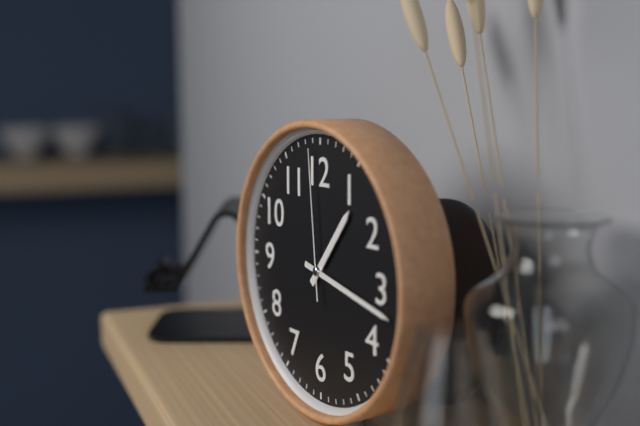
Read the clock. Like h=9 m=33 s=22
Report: h=1 m=17 s=59
